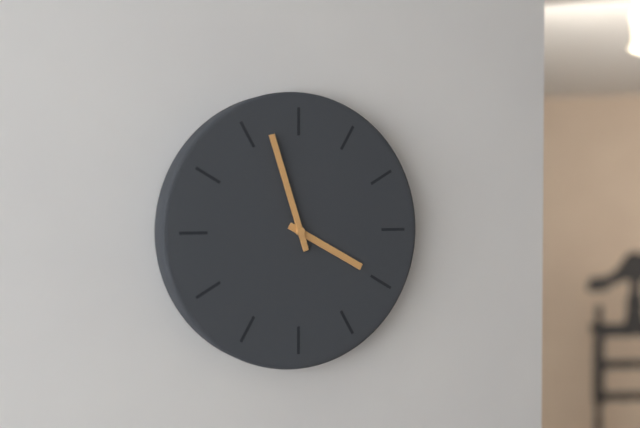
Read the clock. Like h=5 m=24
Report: h=3 m=57
